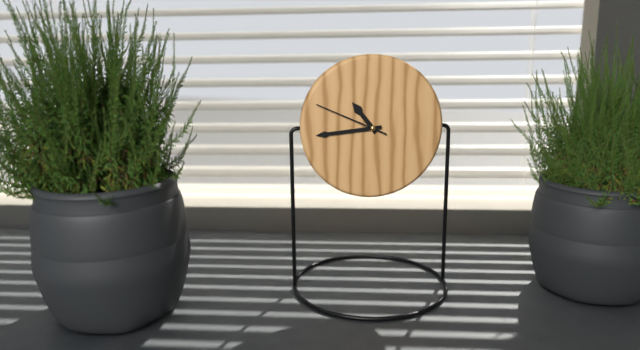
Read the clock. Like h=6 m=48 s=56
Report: h=10 m=44 s=49
